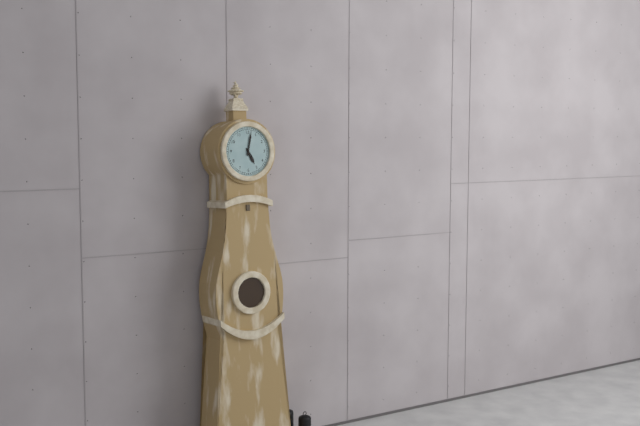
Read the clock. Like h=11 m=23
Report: h=5 m=2
